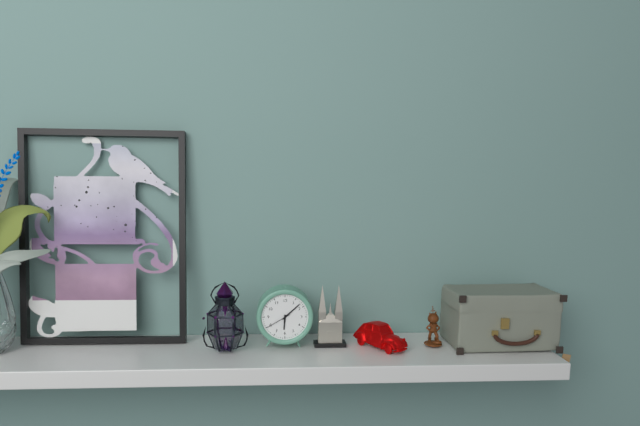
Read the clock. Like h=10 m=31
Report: h=6 m=8
